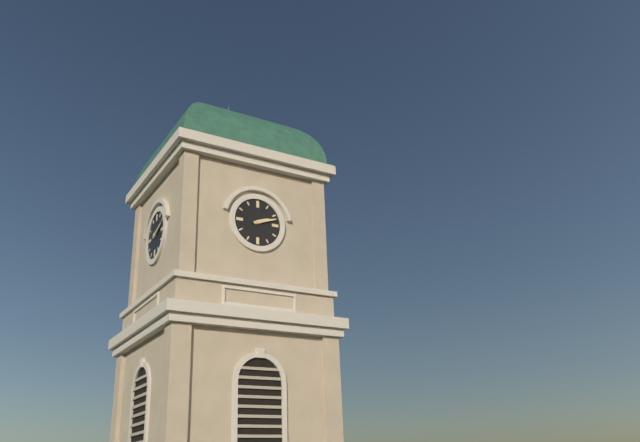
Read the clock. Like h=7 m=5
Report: h=2 m=12
